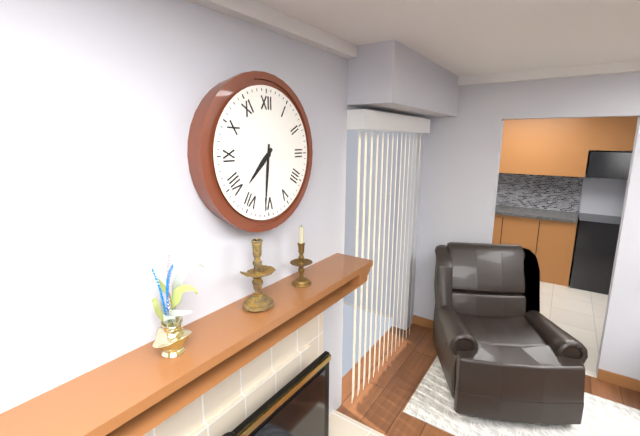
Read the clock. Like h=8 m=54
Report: h=7 m=31
